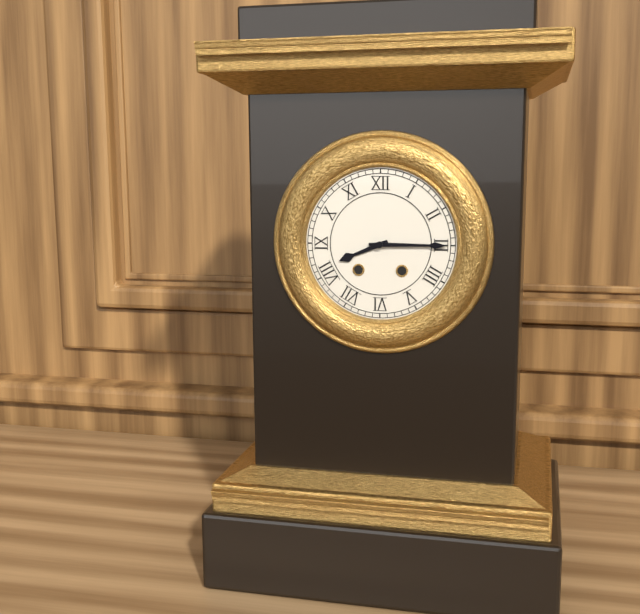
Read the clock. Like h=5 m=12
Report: h=8 m=15
